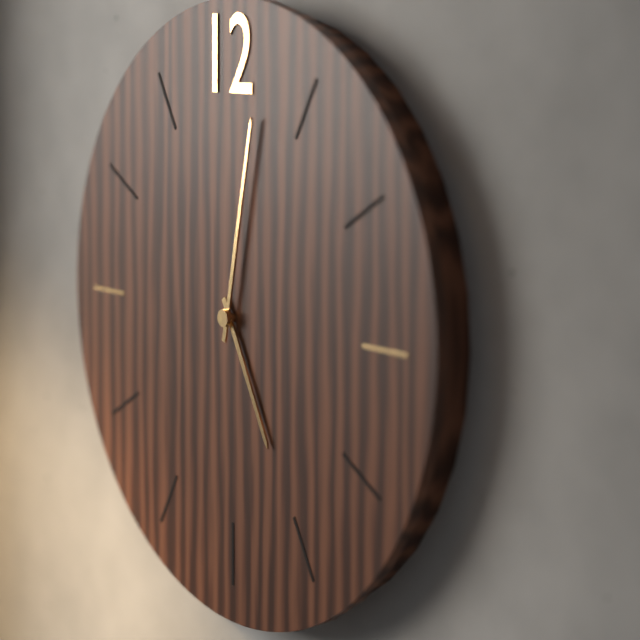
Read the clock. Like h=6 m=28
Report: h=5 m=2
